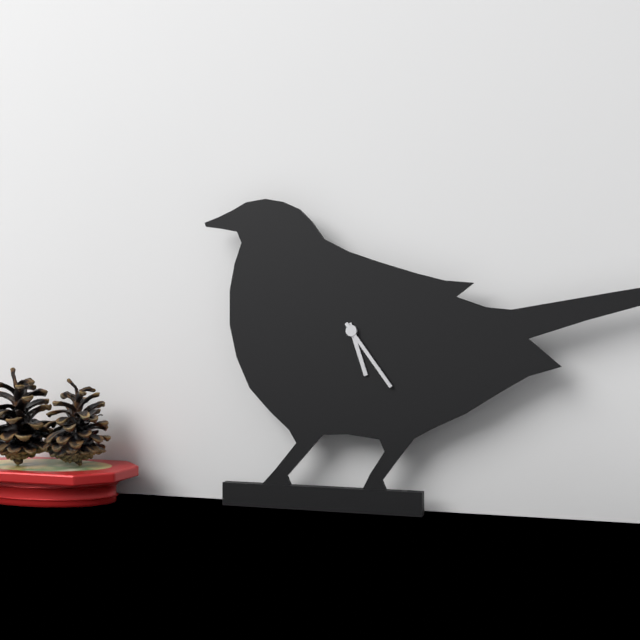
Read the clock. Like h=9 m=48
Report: h=5 m=24
